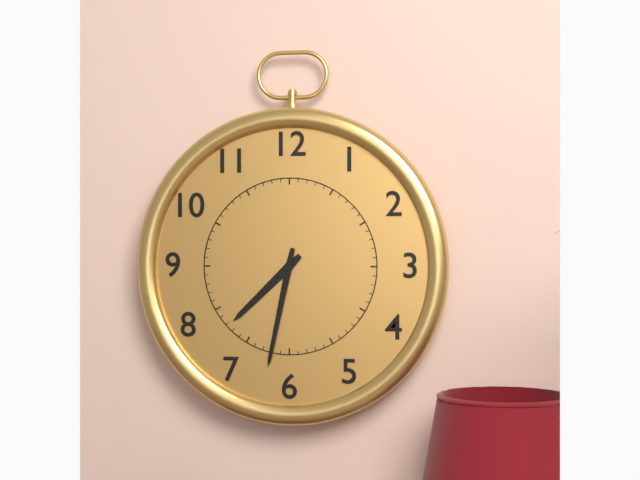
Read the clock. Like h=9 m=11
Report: h=7 m=32
